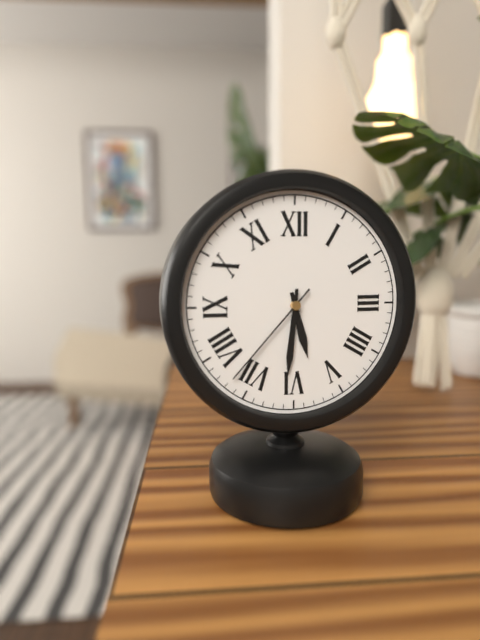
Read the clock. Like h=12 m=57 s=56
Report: h=5 m=31 s=37
